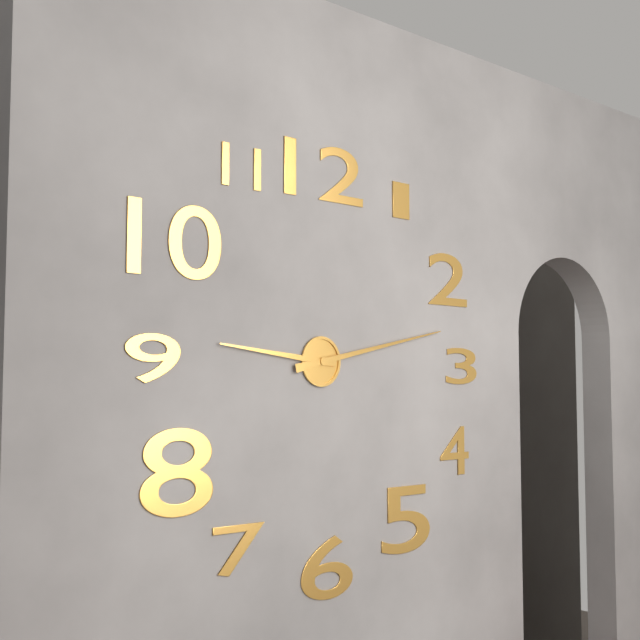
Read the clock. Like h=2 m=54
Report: h=9 m=13
